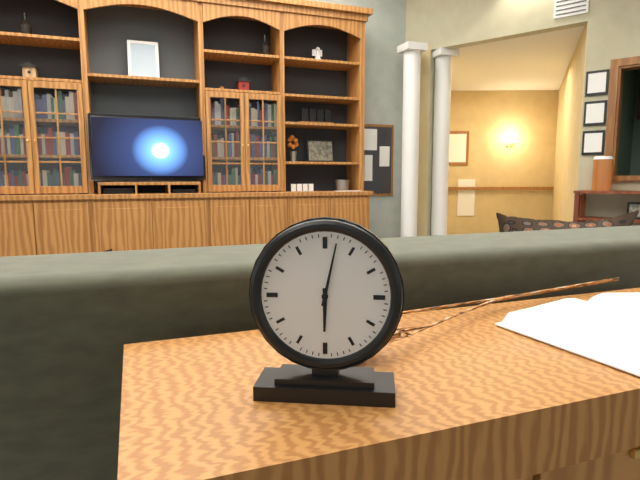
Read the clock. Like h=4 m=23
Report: h=6 m=2
